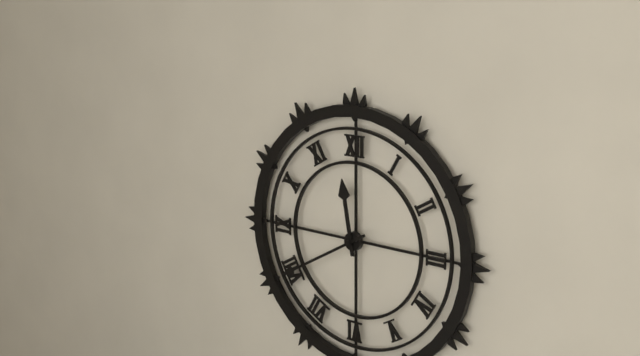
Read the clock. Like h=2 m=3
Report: h=11 m=40
